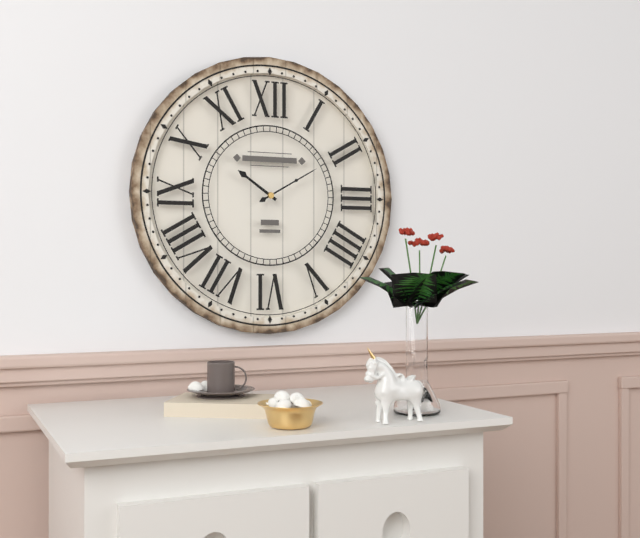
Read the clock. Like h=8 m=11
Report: h=10 m=10
